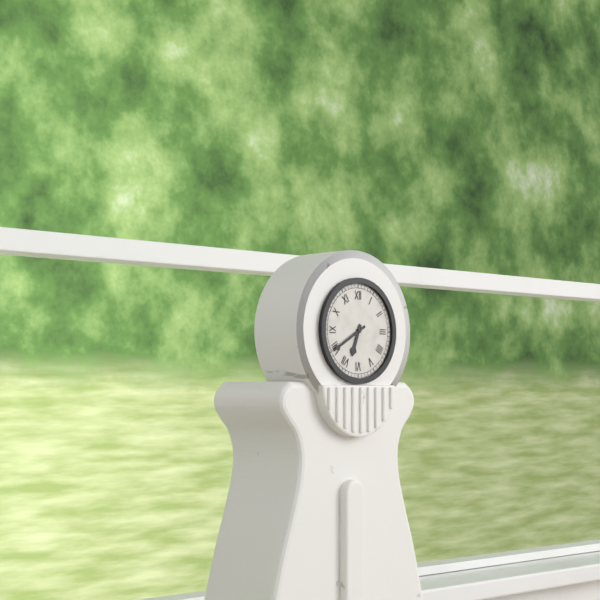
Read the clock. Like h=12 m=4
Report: h=6 m=40
